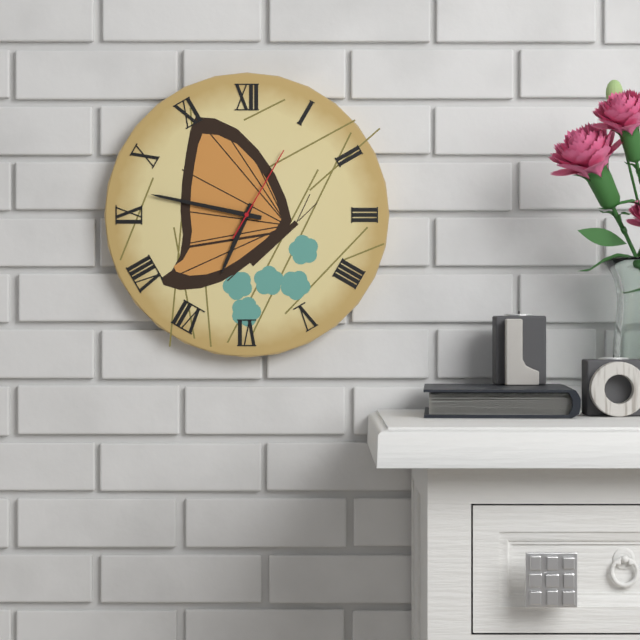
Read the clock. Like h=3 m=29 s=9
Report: h=6 m=47 s=5
